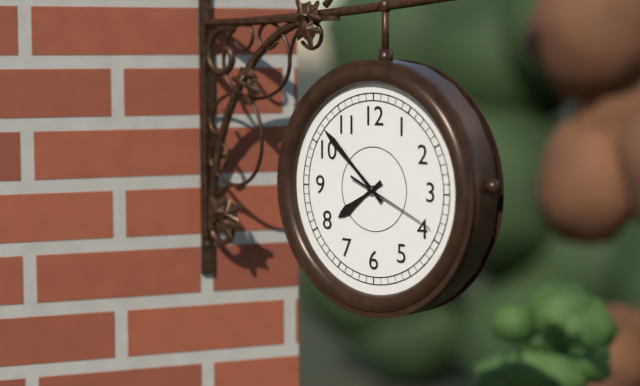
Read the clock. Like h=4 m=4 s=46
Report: h=7 m=52 s=19
